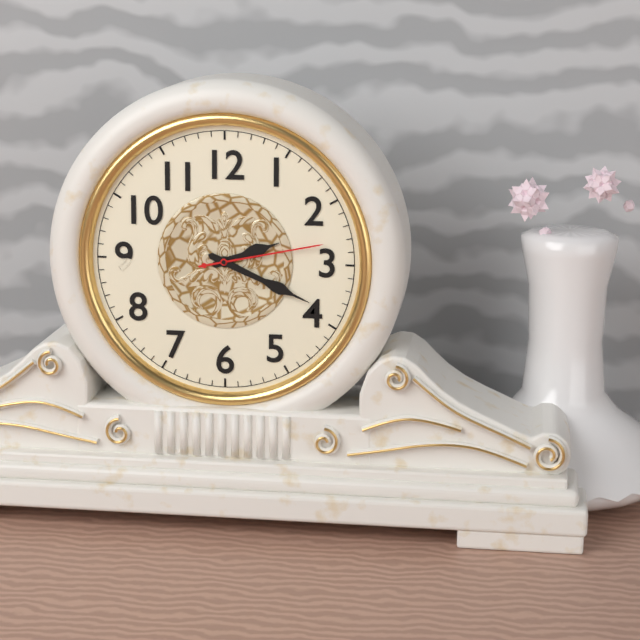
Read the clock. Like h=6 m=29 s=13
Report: h=2 m=19 s=13
